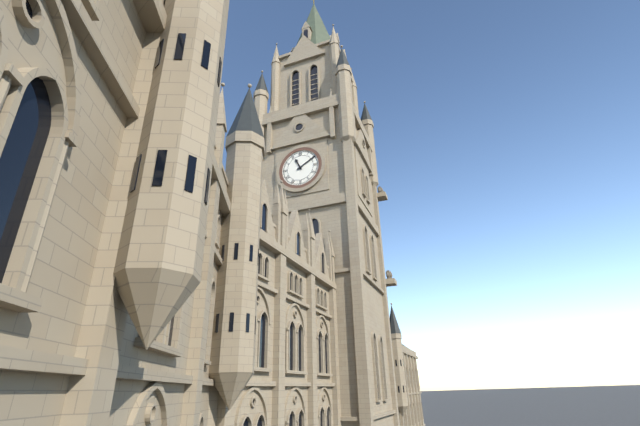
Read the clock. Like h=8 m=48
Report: h=11 m=10
